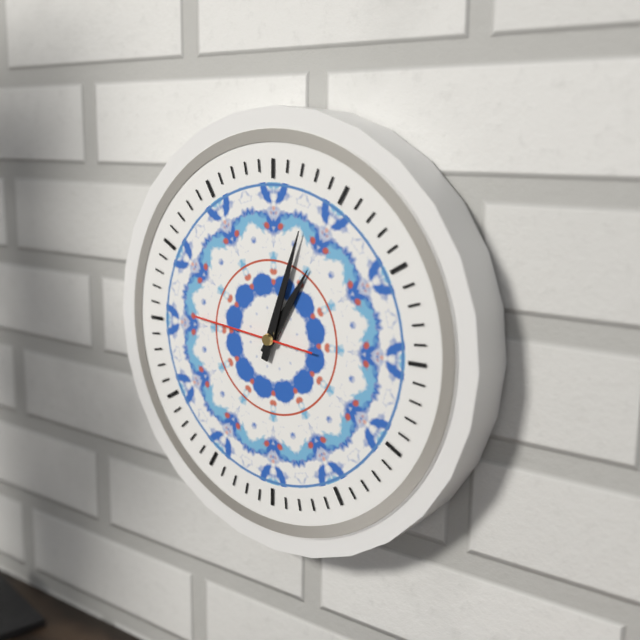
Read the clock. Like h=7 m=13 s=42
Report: h=1 m=3 s=46
